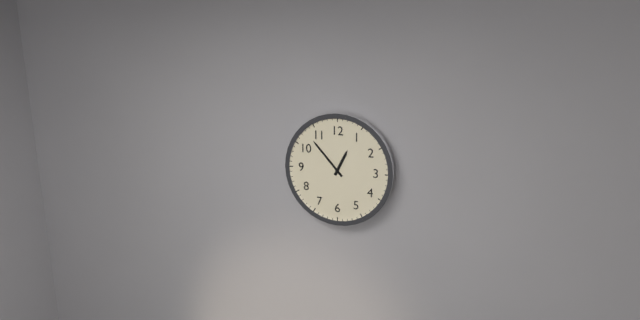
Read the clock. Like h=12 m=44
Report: h=12 m=53
